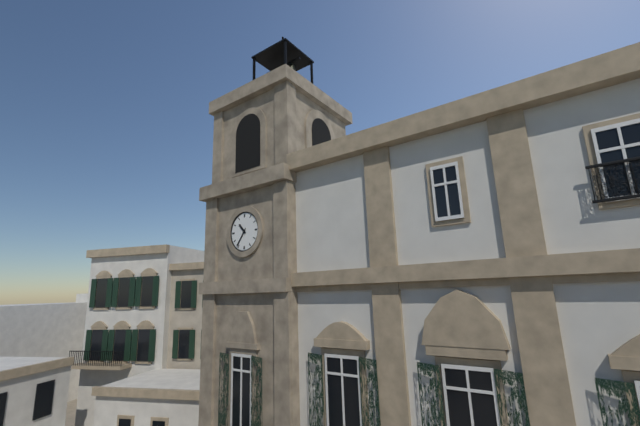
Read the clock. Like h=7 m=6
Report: h=10 m=36
